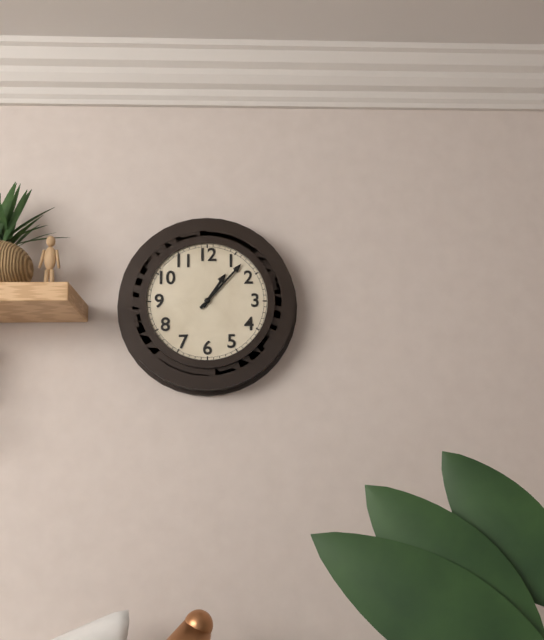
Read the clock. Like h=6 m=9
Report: h=1 m=7
